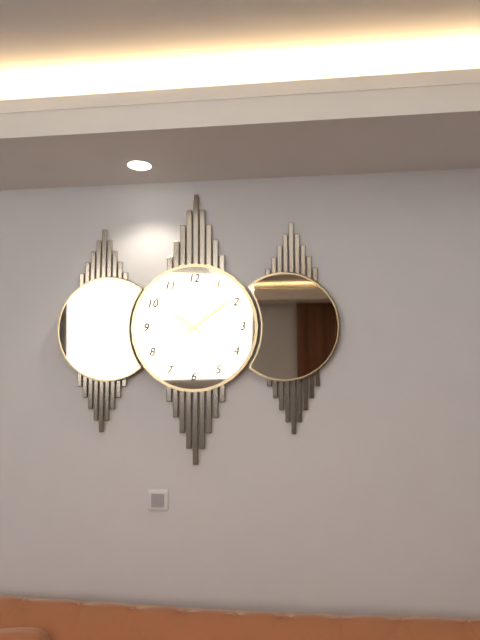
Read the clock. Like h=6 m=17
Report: h=10 m=9
